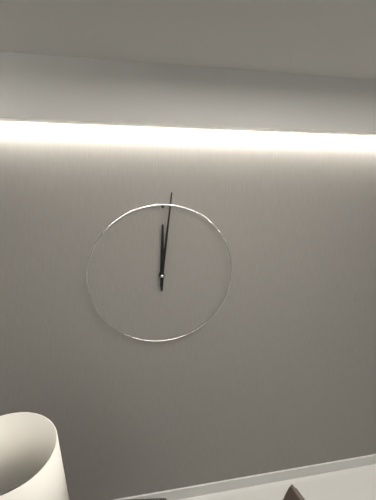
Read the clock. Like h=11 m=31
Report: h=12 m=1
